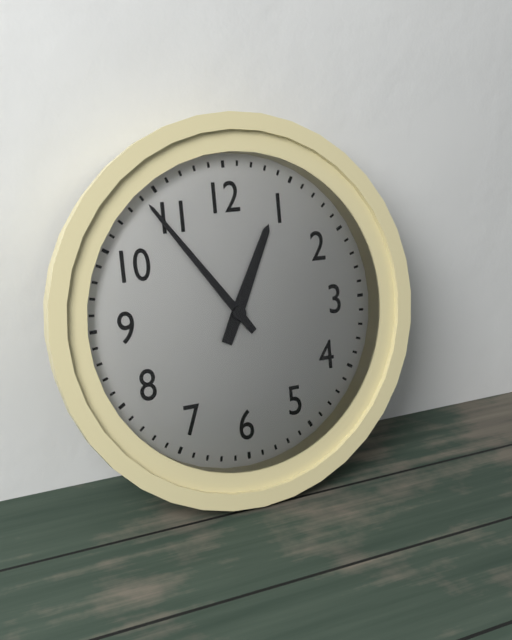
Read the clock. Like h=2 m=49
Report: h=12 m=54
